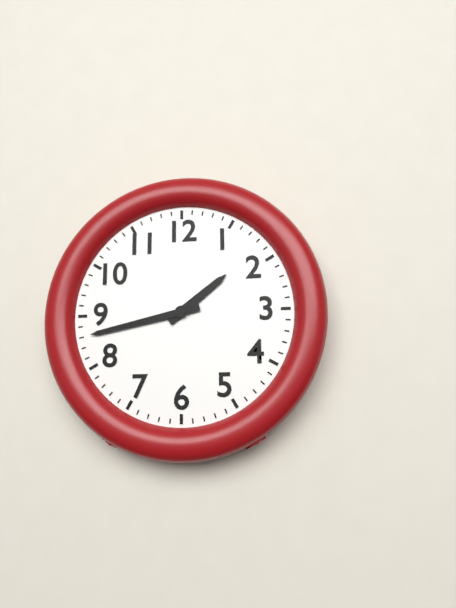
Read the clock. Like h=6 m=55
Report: h=1 m=43
